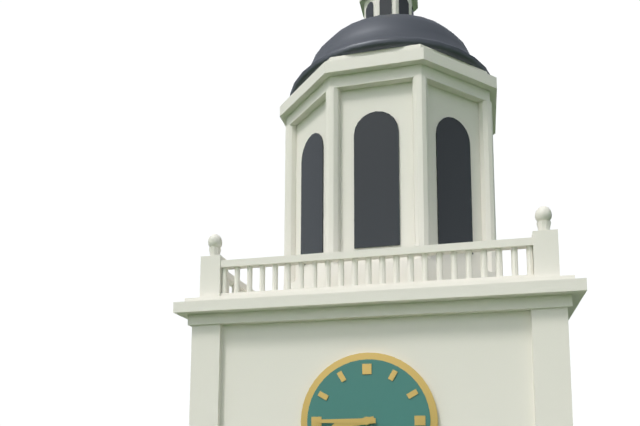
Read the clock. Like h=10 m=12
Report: h=8 m=45
